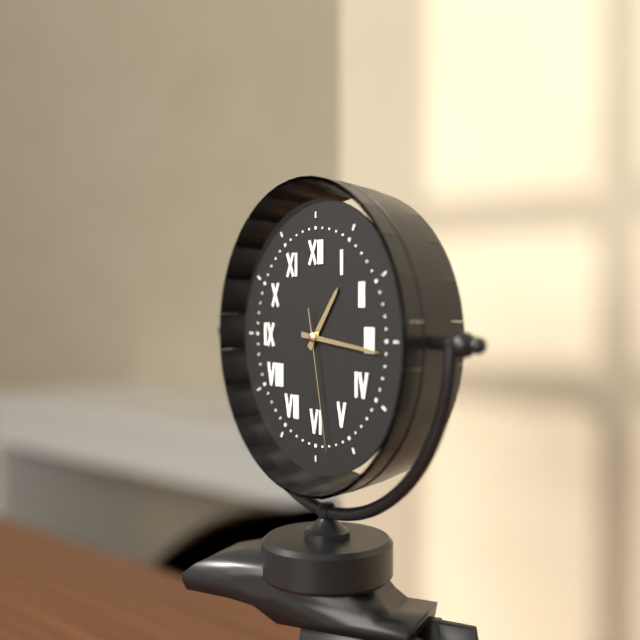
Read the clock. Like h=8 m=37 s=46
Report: h=1 m=16 s=28
